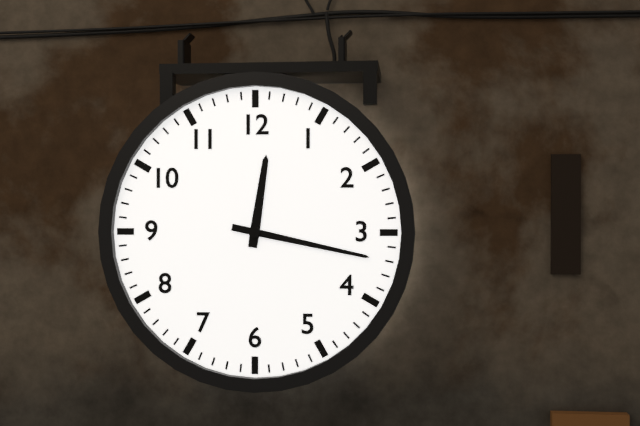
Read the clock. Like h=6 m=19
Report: h=12 m=17
